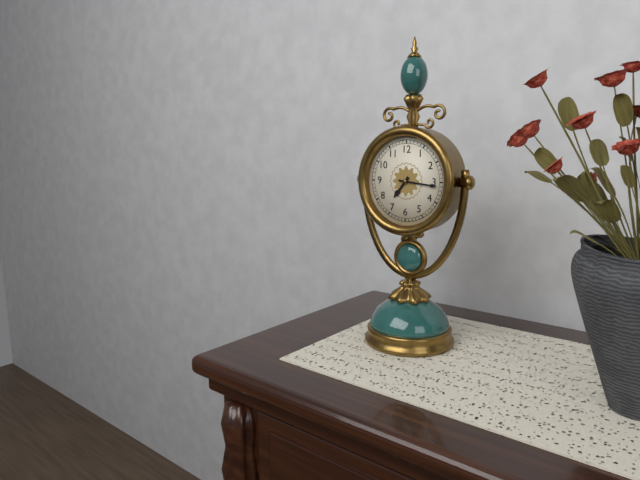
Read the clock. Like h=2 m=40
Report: h=7 m=16
